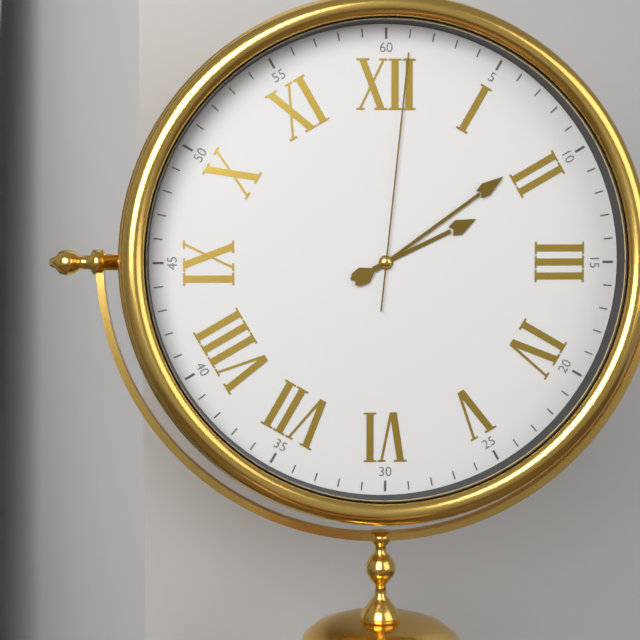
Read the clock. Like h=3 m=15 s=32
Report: h=2 m=9 s=1
